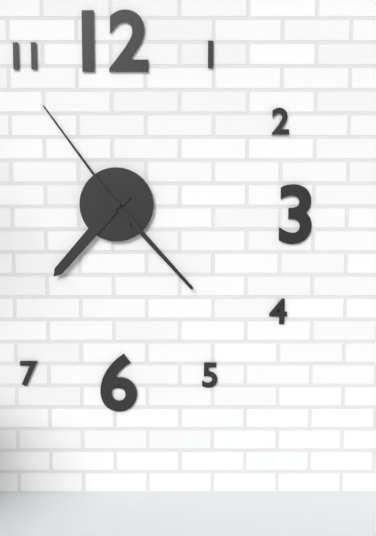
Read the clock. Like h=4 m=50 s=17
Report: h=7 m=23 s=54
